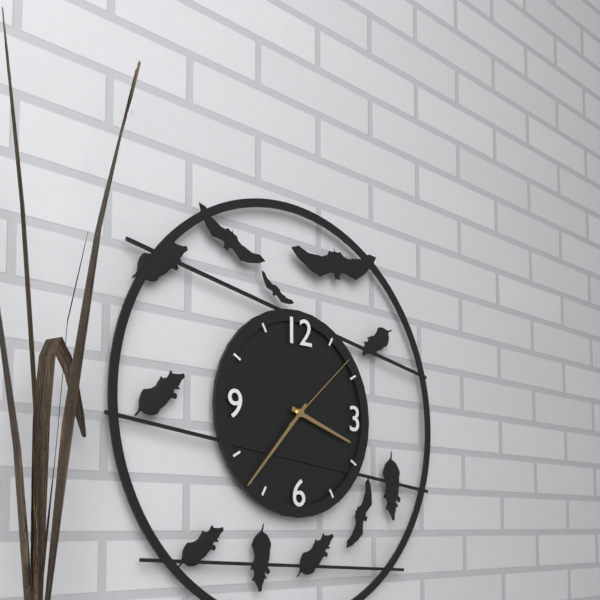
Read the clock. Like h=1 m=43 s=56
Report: h=3 m=37 s=8
